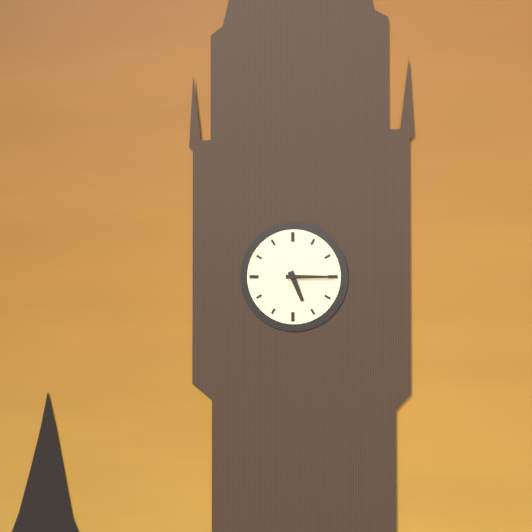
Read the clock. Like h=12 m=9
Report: h=5 m=15
